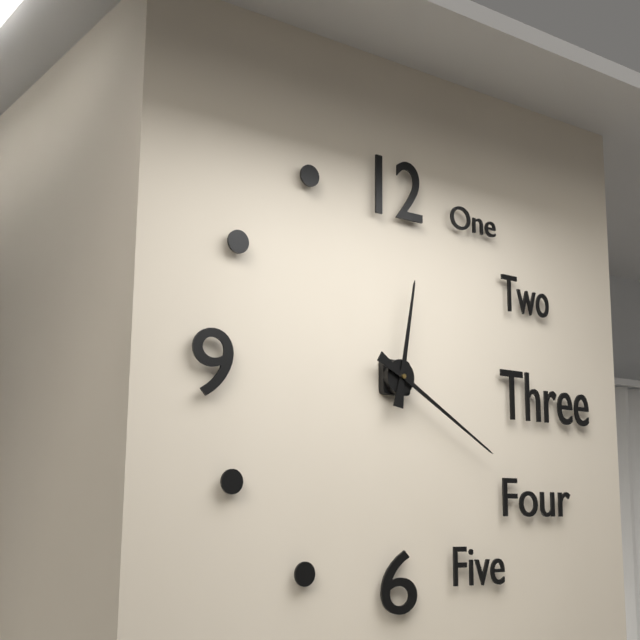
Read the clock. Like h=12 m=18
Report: h=12 m=20
